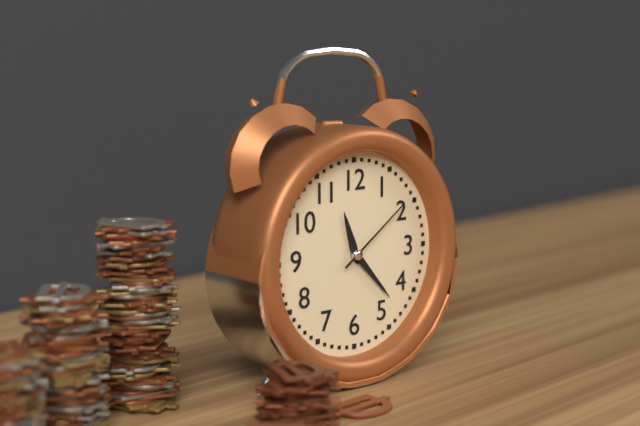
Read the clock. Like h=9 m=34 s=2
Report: h=11 m=23 s=9
